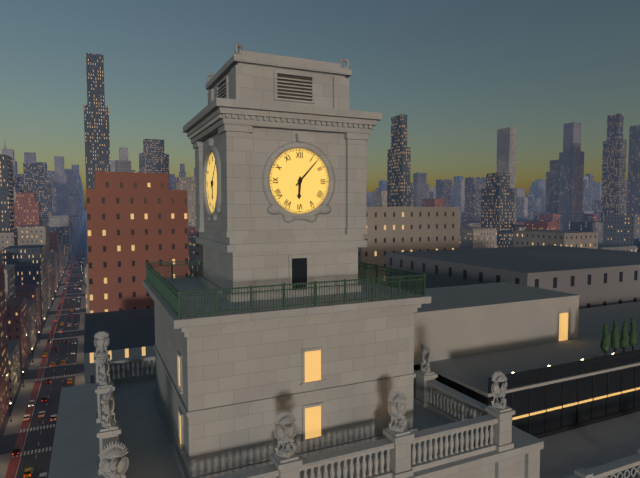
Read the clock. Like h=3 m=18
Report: h=6 m=7
